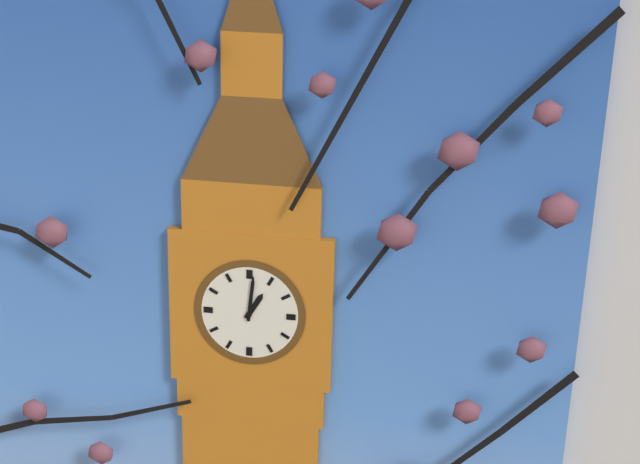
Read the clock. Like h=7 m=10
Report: h=1 m=1
